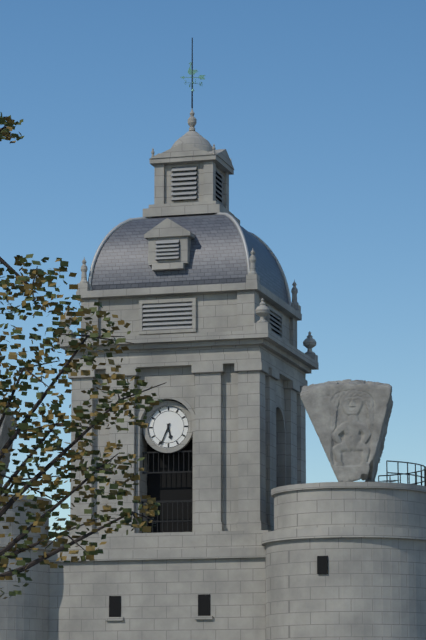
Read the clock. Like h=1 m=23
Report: h=5 m=34
